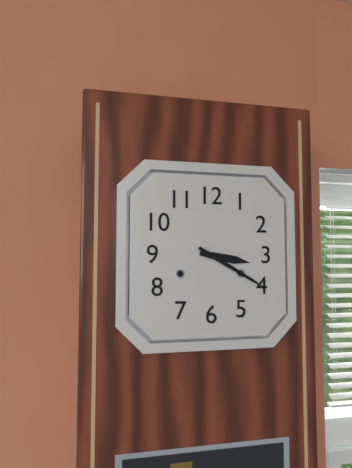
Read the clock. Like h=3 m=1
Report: h=3 m=20
